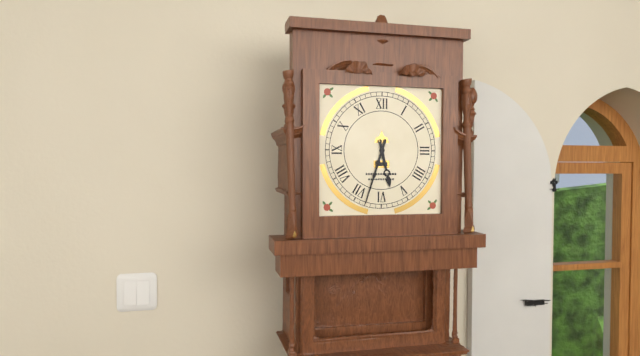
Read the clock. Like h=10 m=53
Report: h=5 m=33
